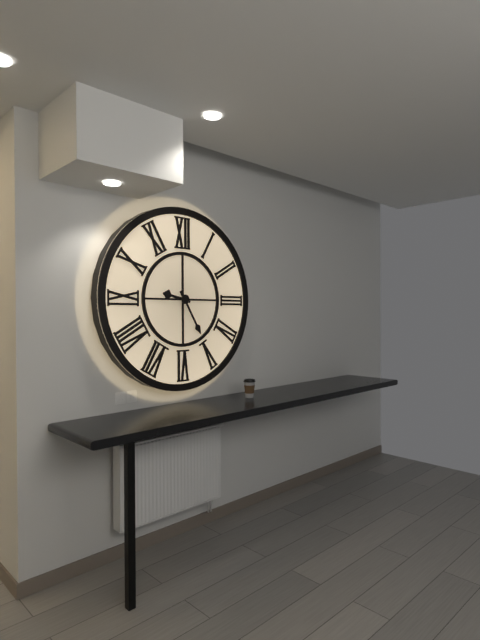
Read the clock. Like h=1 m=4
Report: h=9 m=25
